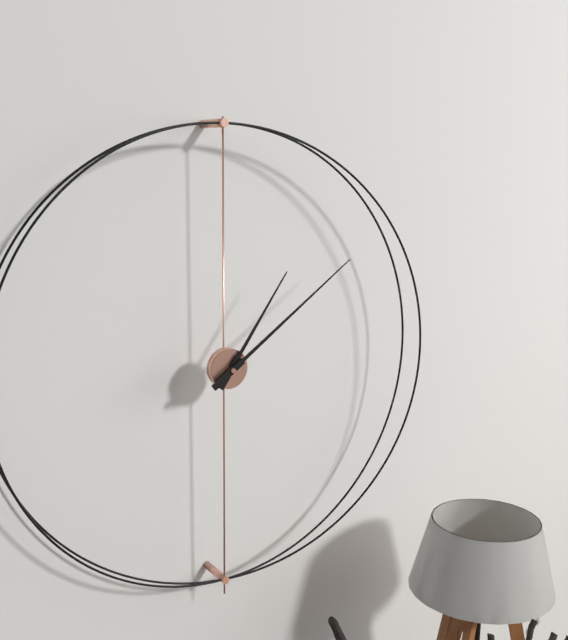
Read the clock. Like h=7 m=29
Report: h=1 m=9
